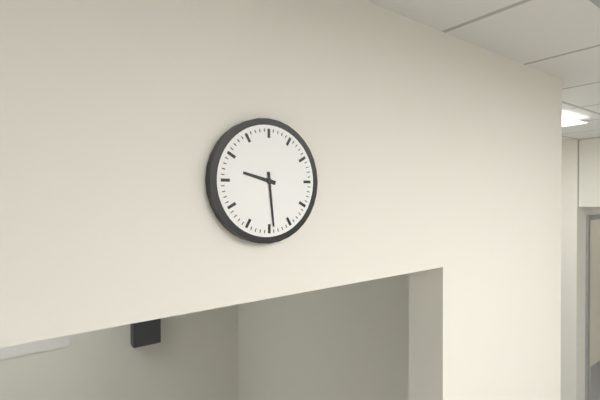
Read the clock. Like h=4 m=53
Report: h=9 m=29
